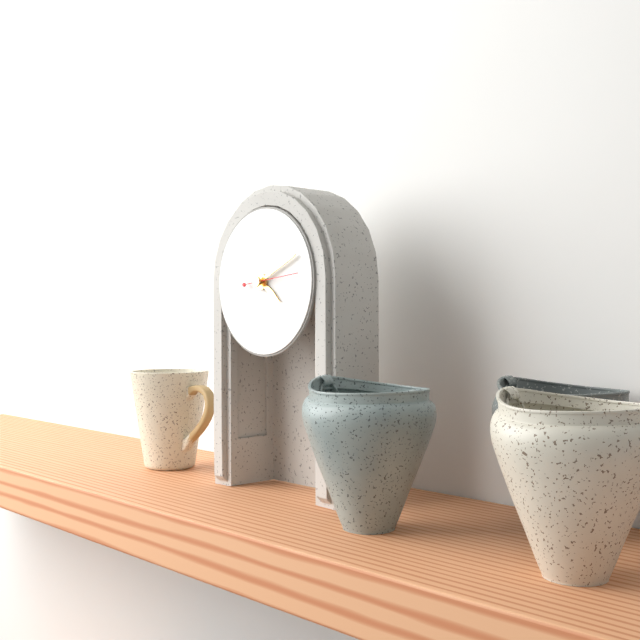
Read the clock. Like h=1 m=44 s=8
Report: h=4 m=11 s=14
